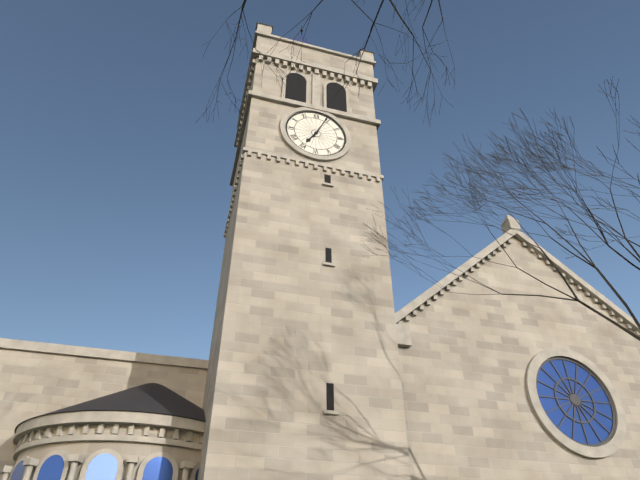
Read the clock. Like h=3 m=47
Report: h=7 m=4
